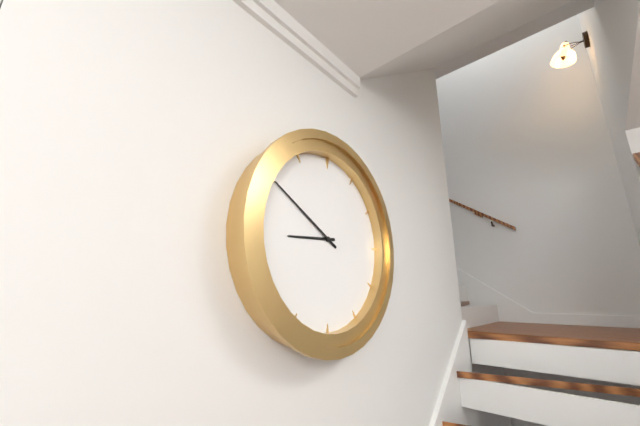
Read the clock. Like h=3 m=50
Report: h=8 m=50
